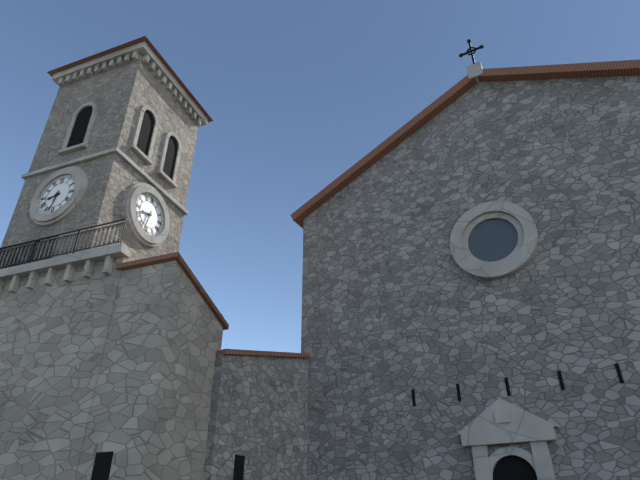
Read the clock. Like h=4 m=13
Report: h=8 m=32
